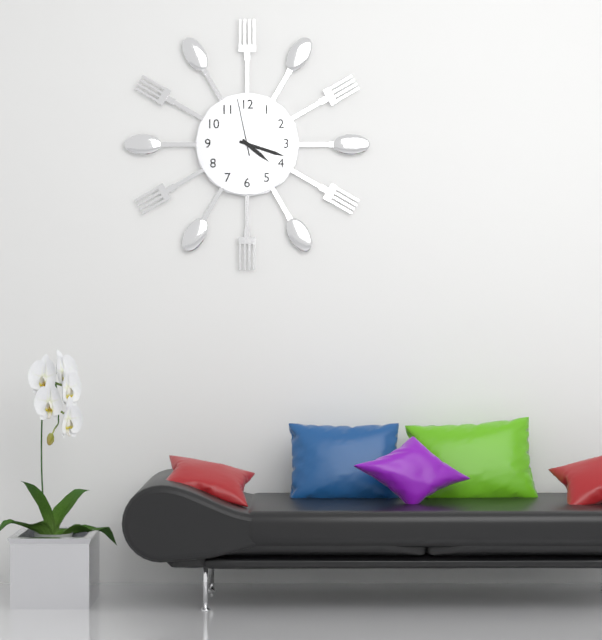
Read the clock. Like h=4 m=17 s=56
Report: h=4 m=18 s=58
